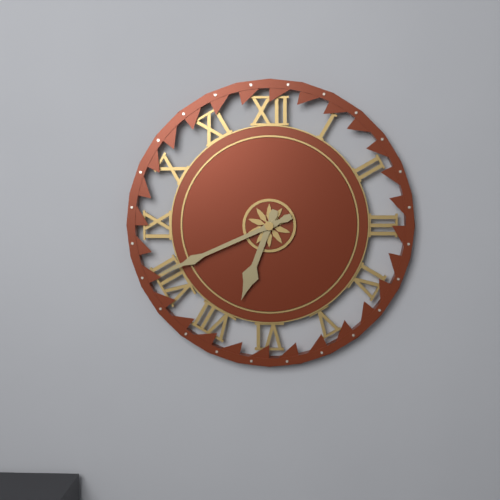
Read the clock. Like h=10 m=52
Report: h=6 m=41
